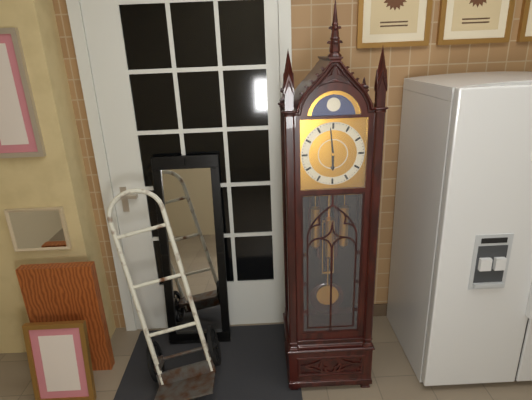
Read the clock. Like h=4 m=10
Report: h=5 m=59
